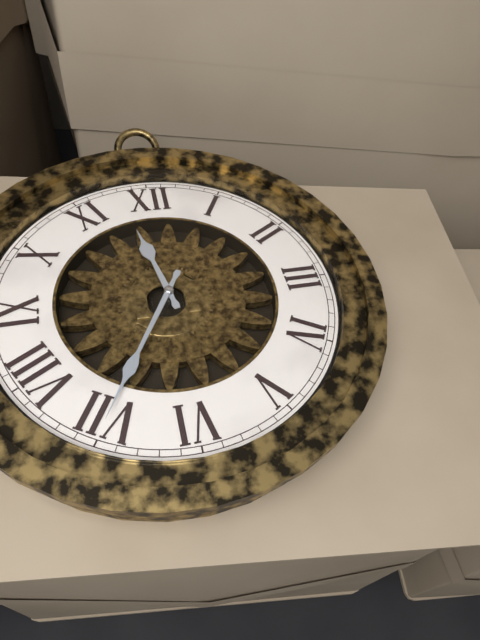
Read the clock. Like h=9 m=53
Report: h=11 m=35
